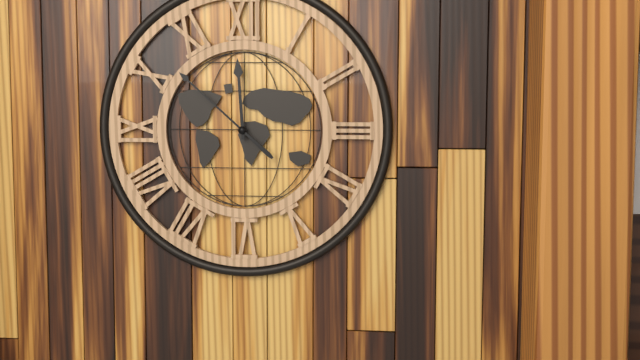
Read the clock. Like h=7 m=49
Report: h=11 m=52
